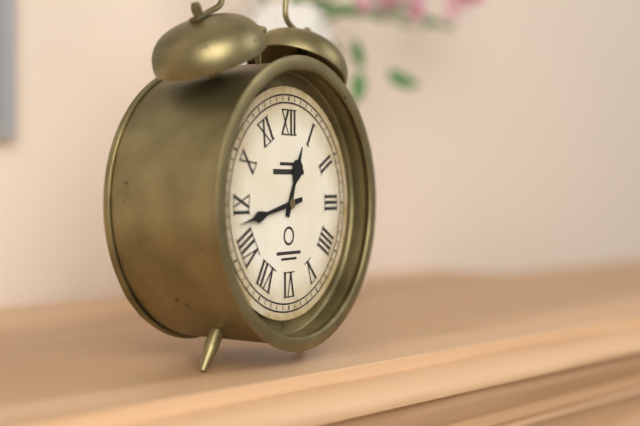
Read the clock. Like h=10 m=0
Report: h=12 m=43
